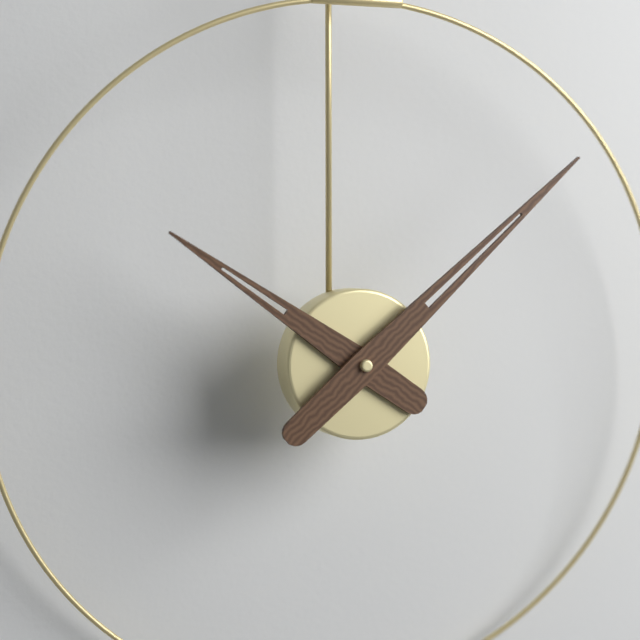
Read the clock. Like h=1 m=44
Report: h=10 m=8
